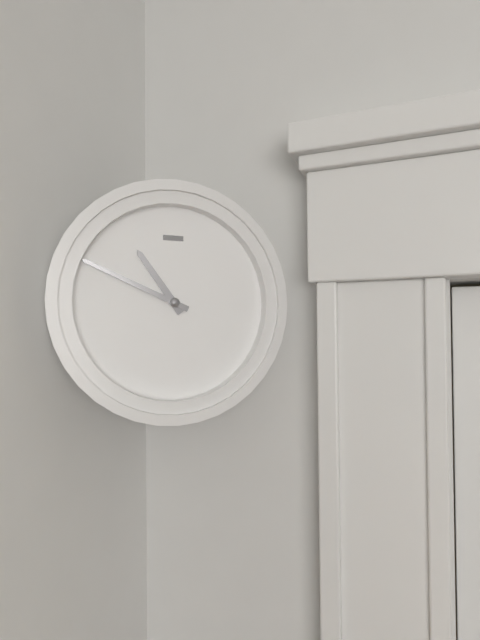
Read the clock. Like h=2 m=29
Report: h=10 m=49
